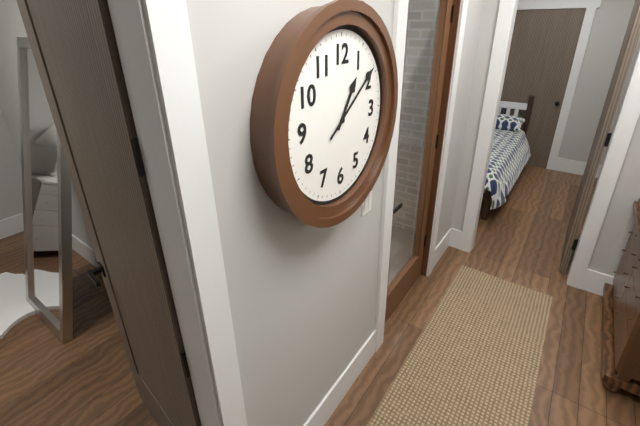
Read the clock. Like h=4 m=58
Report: h=1 m=9
